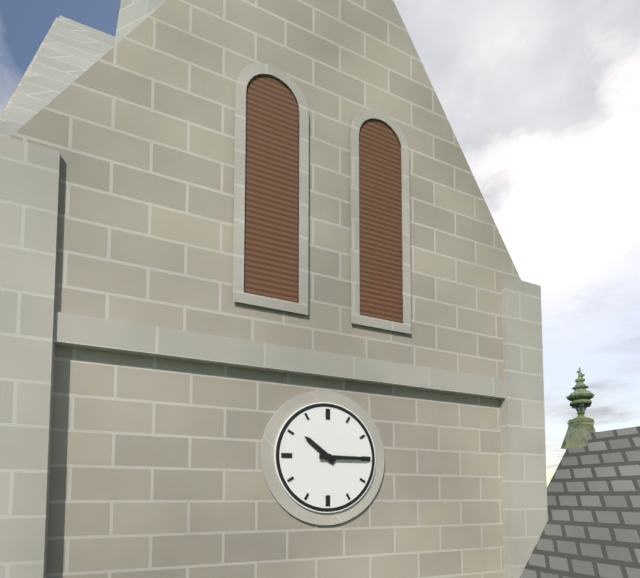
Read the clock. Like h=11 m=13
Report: h=10 m=15
